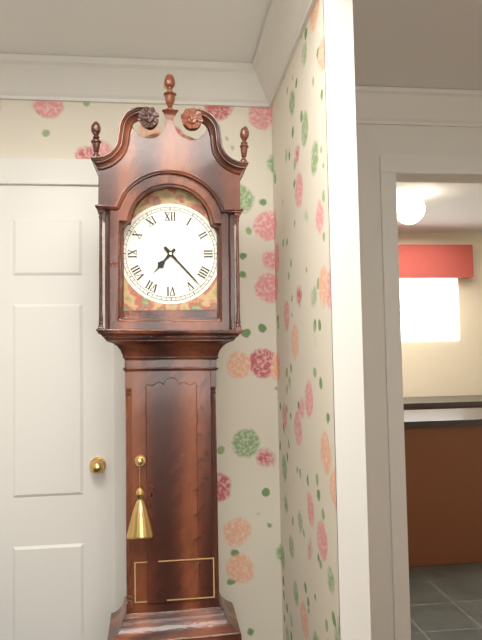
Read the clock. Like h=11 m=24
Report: h=7 m=23
